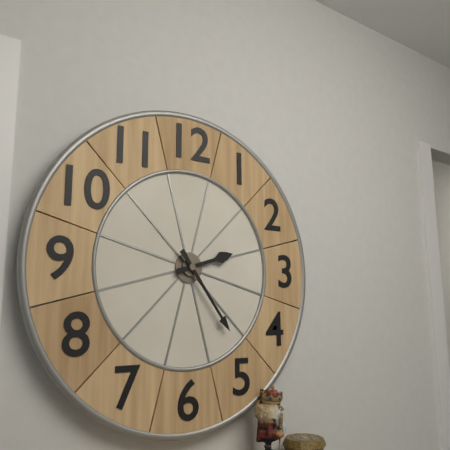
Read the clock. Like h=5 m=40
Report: h=2 m=24
